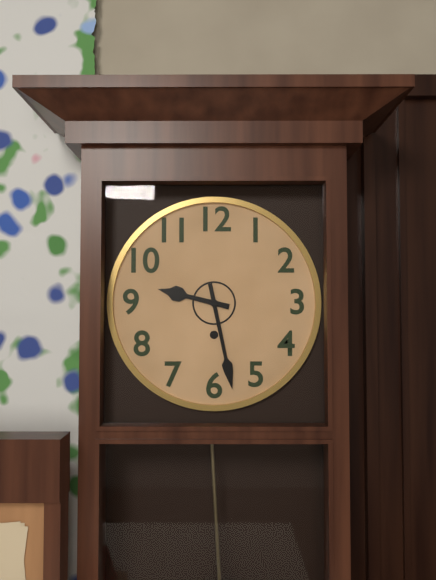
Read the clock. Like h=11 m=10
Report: h=9 m=28
